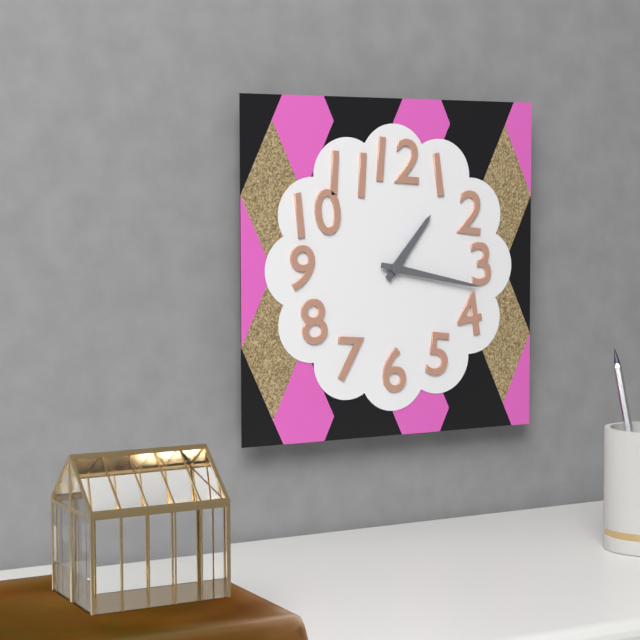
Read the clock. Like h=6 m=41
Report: h=1 m=17
